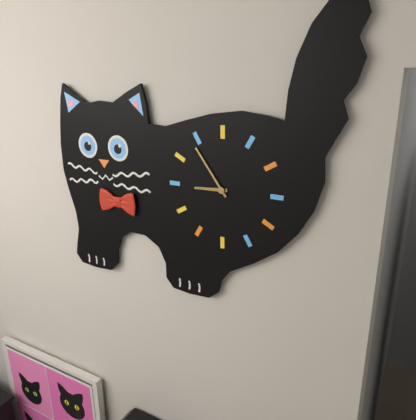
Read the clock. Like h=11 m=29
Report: h=8 m=54
